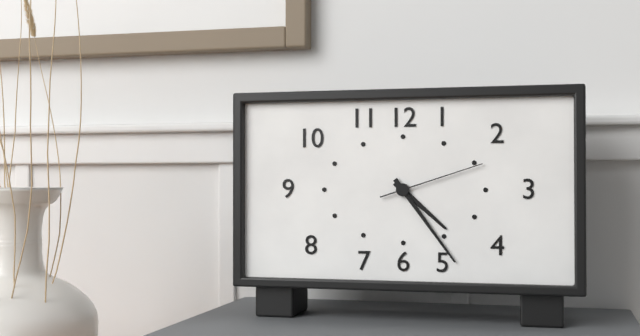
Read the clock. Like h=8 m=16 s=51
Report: h=4 m=24 s=12
